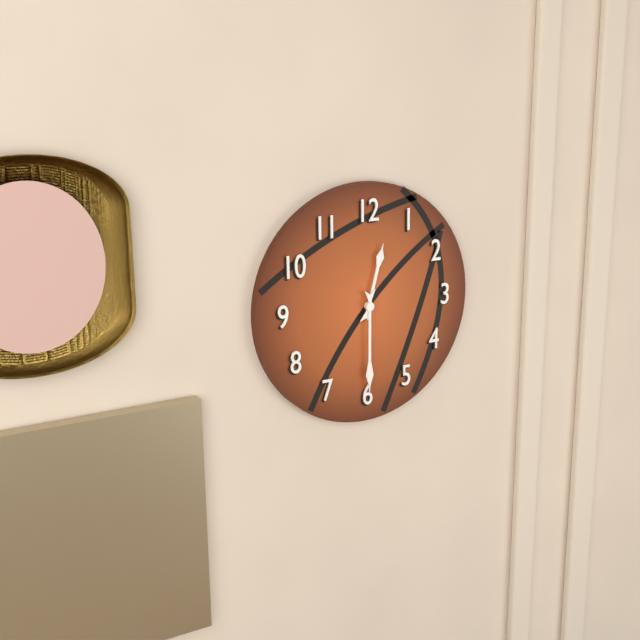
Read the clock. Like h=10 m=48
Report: h=12 m=30
